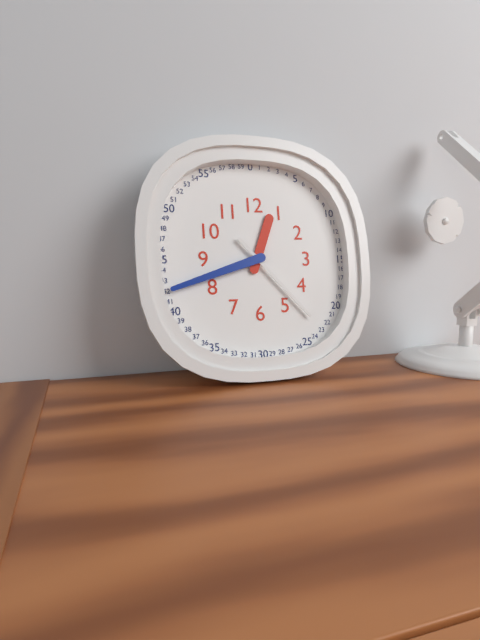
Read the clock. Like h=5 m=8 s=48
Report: h=12 m=42 s=23
